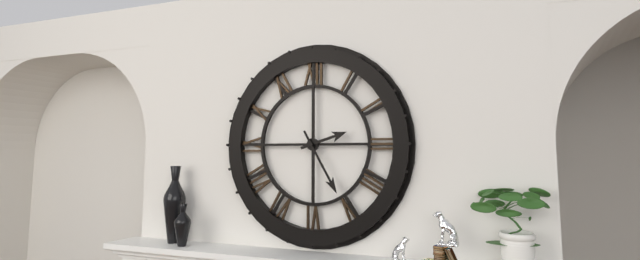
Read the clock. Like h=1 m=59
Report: h=2 m=25
